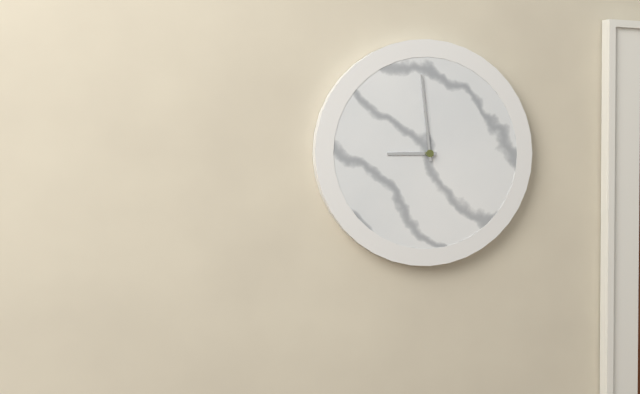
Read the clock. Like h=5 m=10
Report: h=8 m=59
